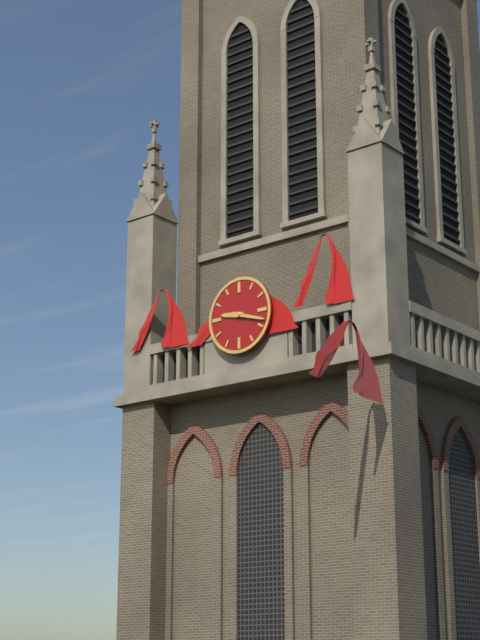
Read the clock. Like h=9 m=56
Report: h=9 m=18
